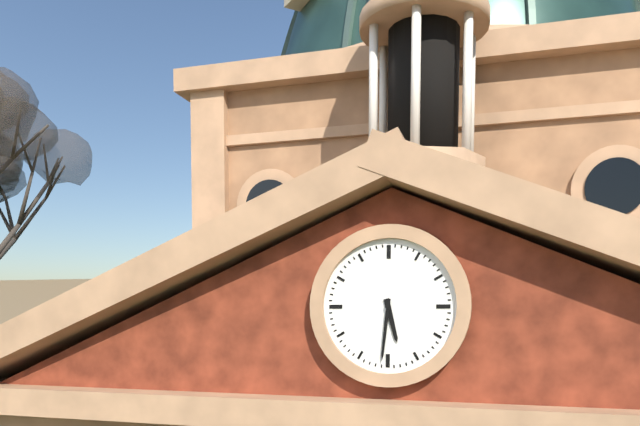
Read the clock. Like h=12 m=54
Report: h=5 m=31
